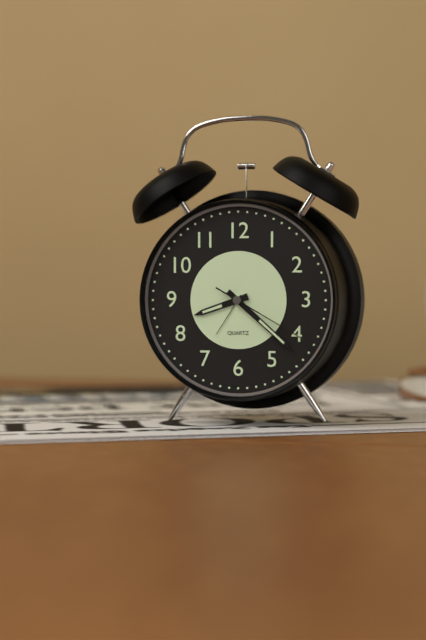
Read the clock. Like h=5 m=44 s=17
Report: h=8 m=22 s=20
